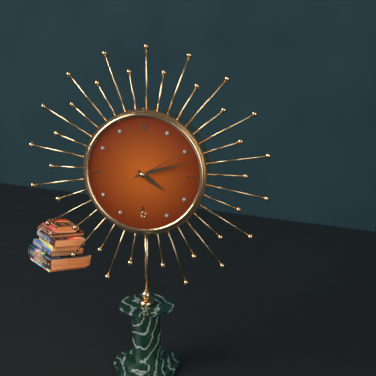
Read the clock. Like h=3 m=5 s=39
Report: h=4 m=12 s=10
